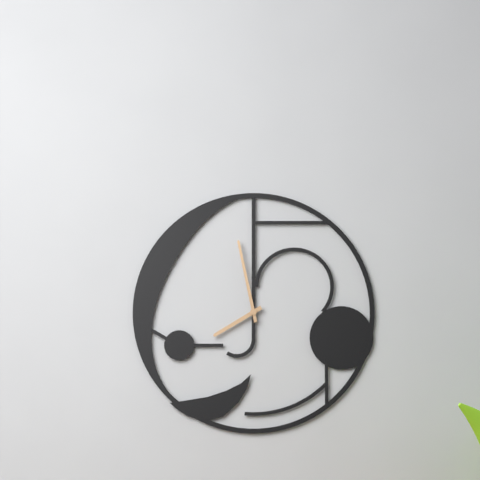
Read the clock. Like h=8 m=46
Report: h=7 m=58
